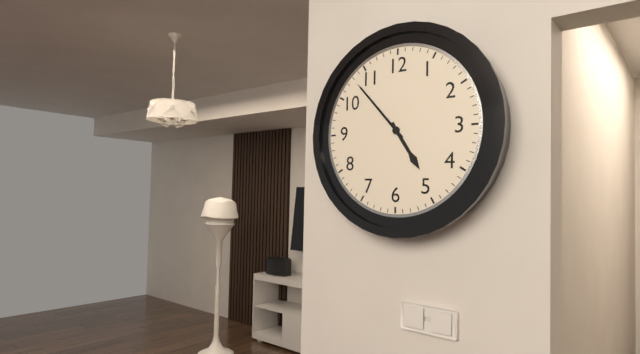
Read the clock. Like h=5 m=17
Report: h=4 m=53
